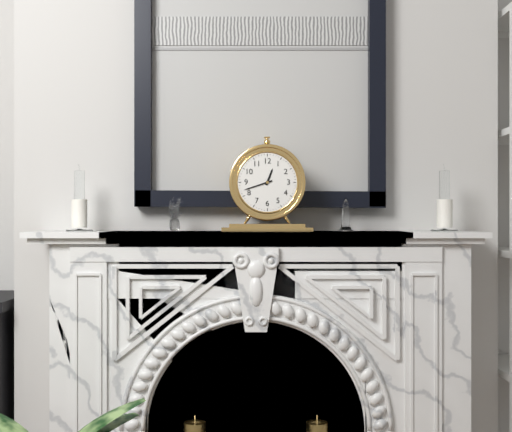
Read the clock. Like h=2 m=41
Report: h=12 m=42
